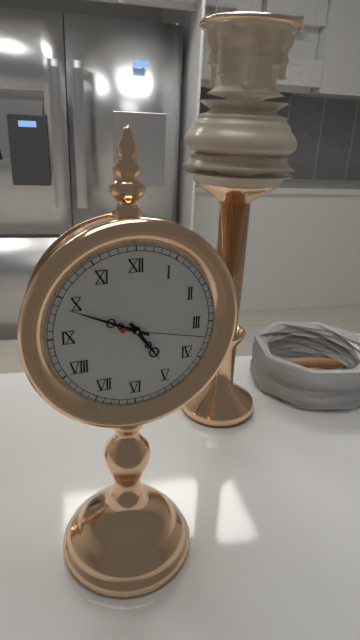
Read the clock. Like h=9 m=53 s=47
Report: h=4 m=49 s=17
